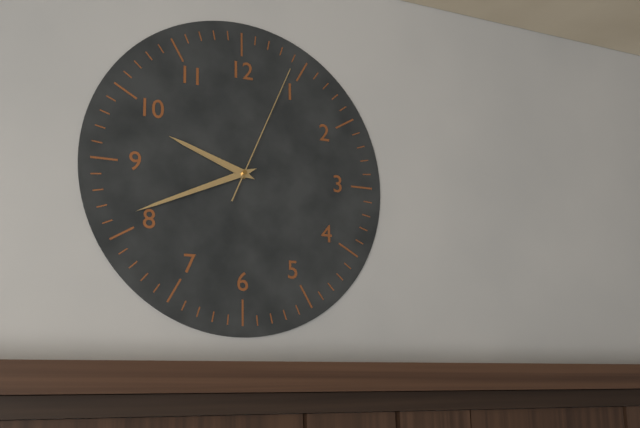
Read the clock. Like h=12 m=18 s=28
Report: h=9 m=41 s=4
